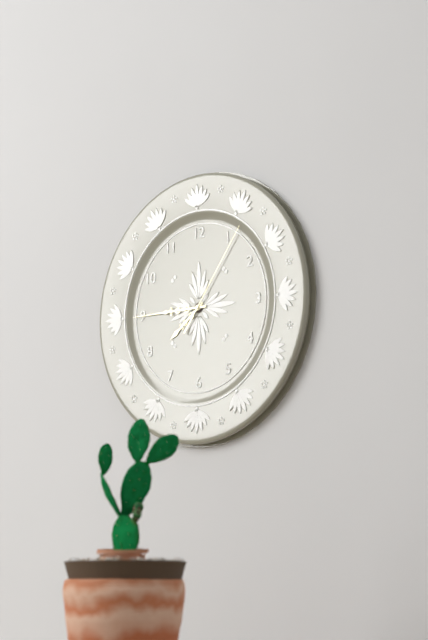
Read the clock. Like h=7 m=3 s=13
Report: h=7 m=45 s=6
